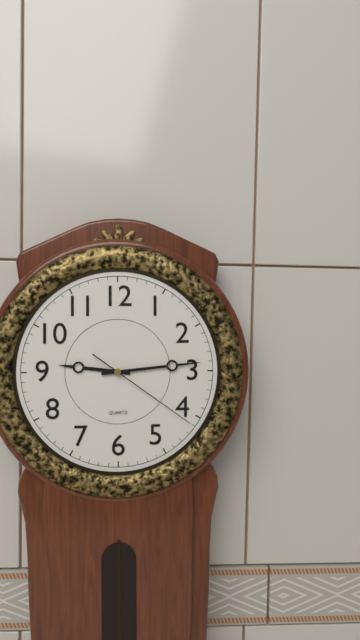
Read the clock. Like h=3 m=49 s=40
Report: h=9 m=14 s=21
